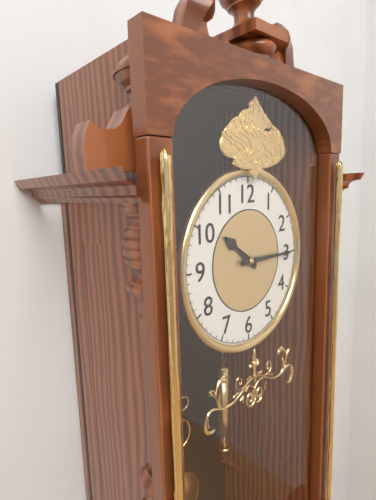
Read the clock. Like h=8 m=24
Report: h=10 m=15
